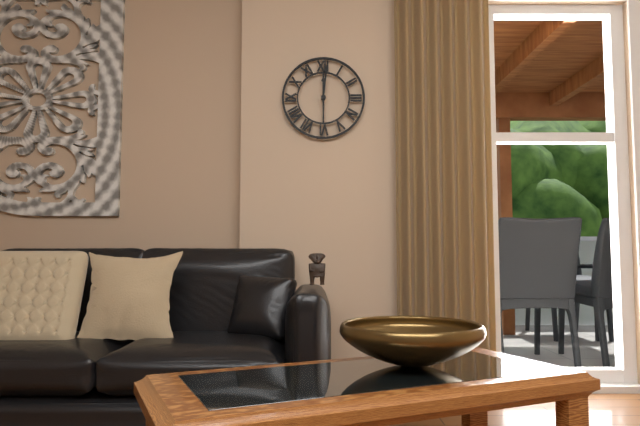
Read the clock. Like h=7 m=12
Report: h=12 m=1
